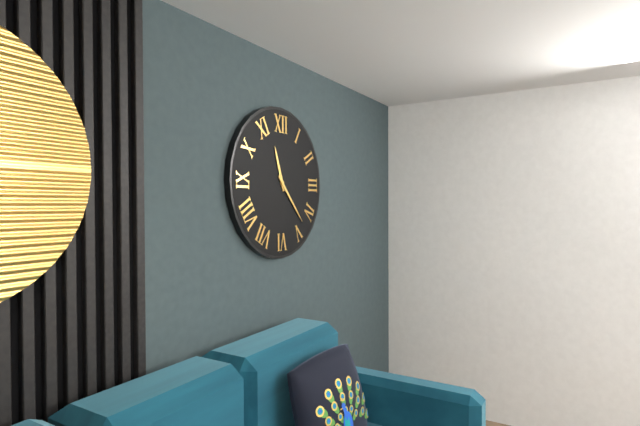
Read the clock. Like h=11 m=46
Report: h=11 m=23
